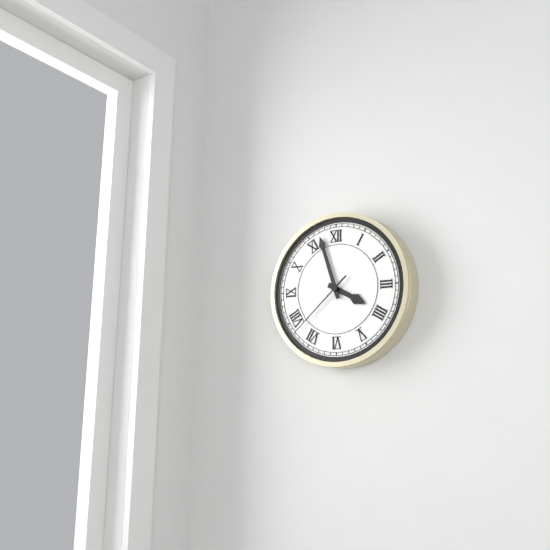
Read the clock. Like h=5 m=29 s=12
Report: h=3 m=57 s=38
